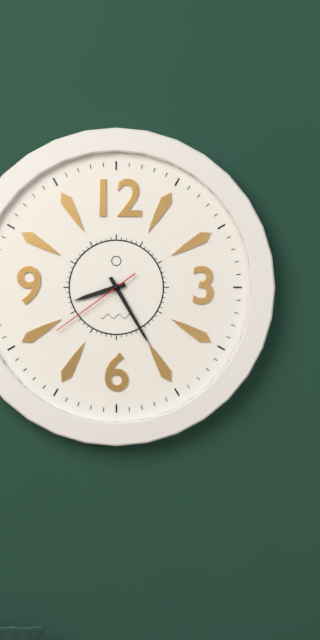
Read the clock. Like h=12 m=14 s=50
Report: h=8 m=25 s=39
